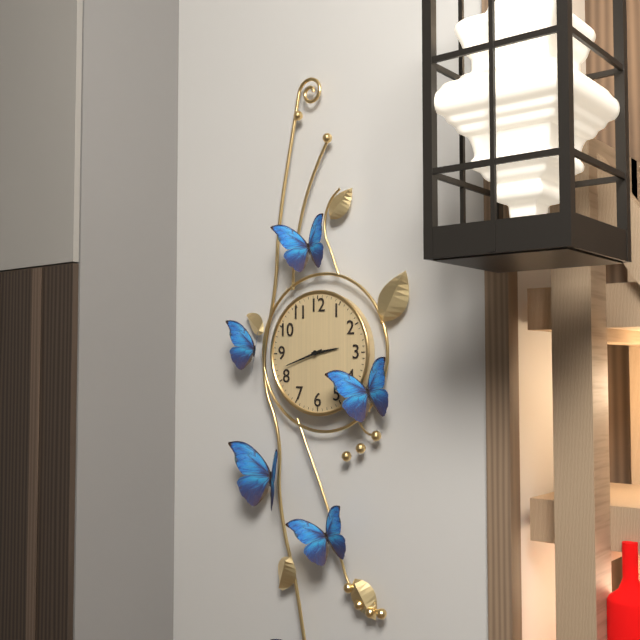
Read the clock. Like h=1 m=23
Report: h=2 m=42
